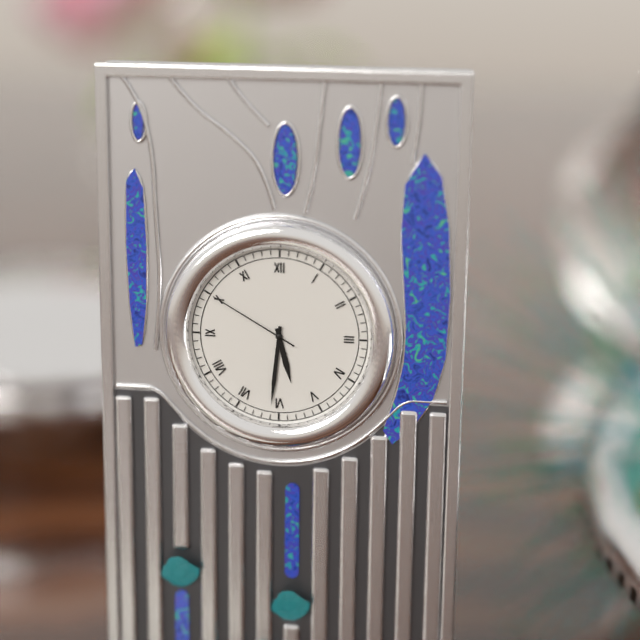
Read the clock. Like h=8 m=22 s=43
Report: h=5 m=31 s=50
